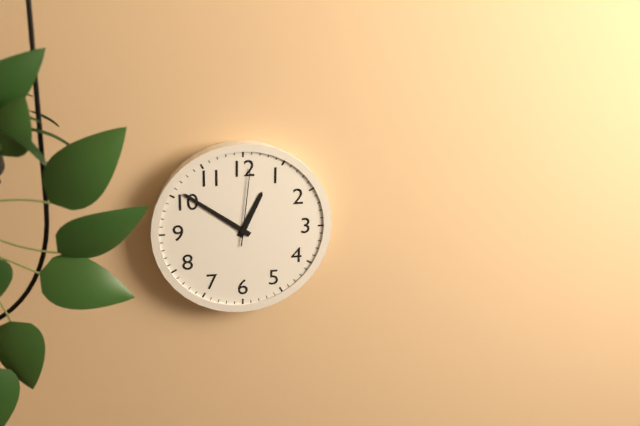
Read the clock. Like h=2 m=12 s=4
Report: h=12 m=51 s=1
